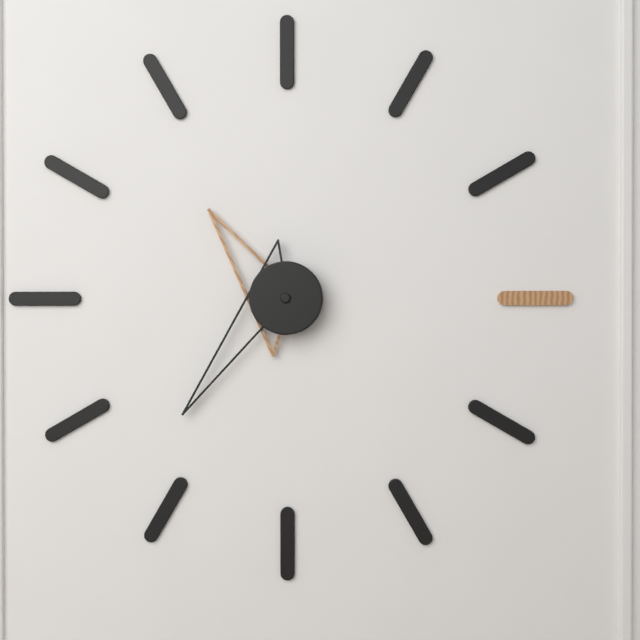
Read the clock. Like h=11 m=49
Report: h=10 m=37
